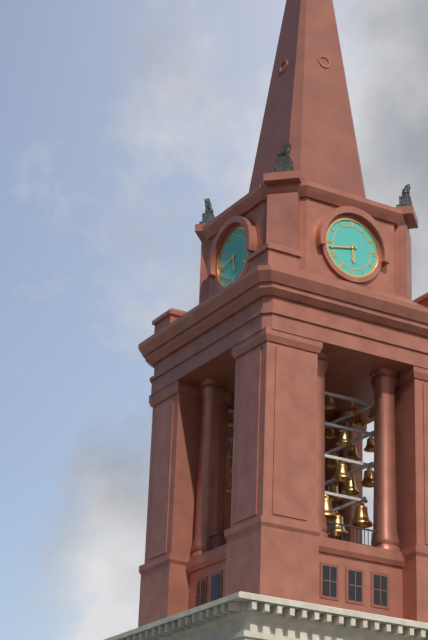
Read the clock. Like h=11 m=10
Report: h=5 m=43
